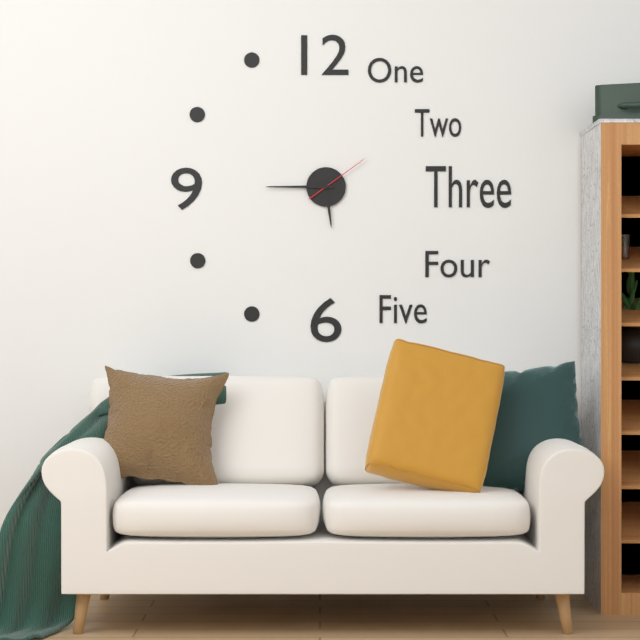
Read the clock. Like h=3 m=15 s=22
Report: h=5 m=45 s=9
